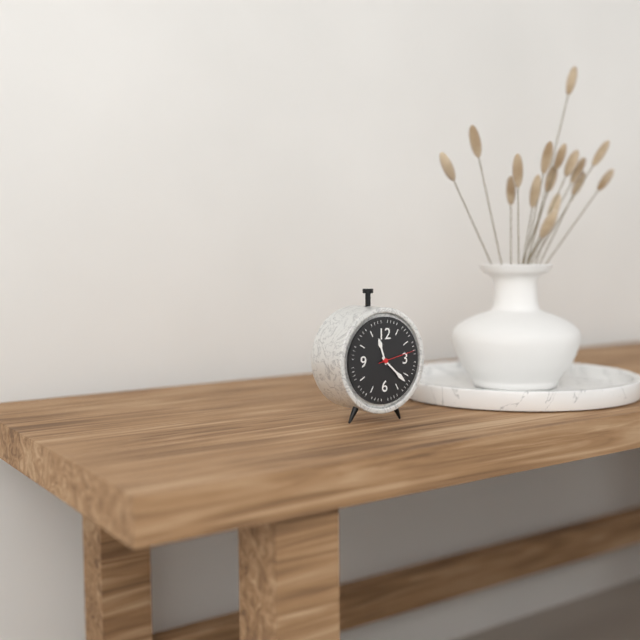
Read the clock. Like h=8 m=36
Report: h=11 m=22
